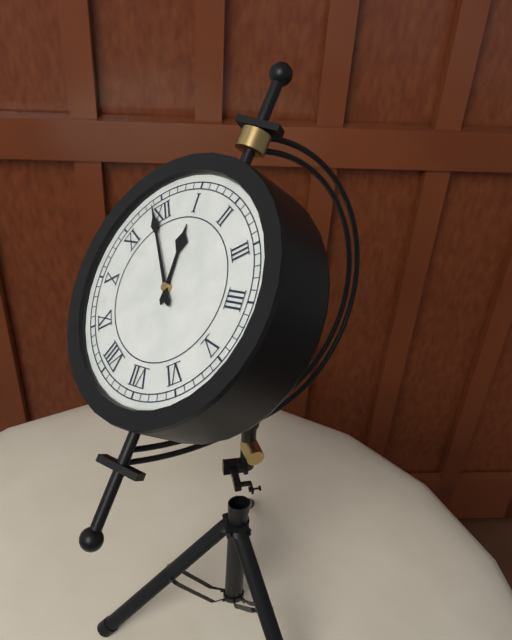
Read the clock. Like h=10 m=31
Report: h=12 m=59
